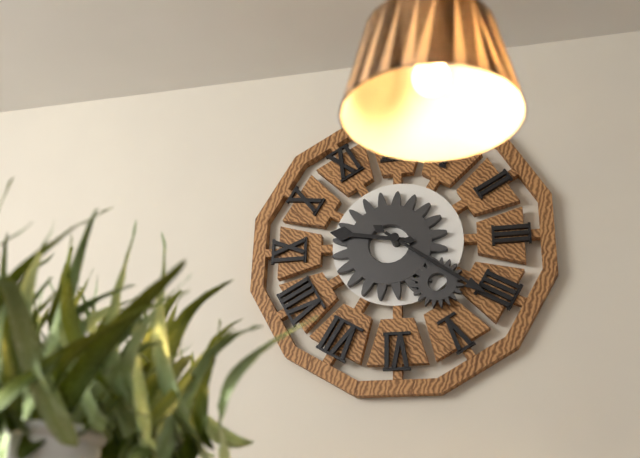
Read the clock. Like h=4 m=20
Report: h=9 m=21
